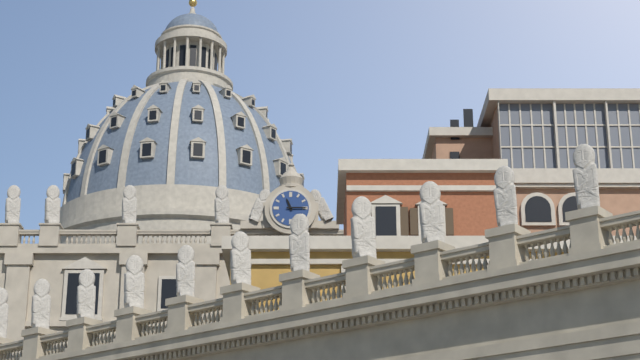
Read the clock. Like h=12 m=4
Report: h=11 m=15
